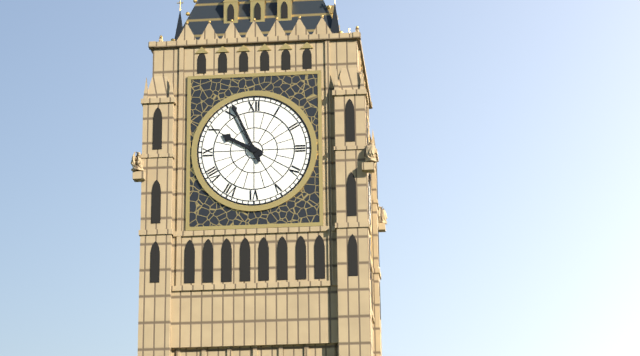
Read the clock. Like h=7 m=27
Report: h=9 m=56
